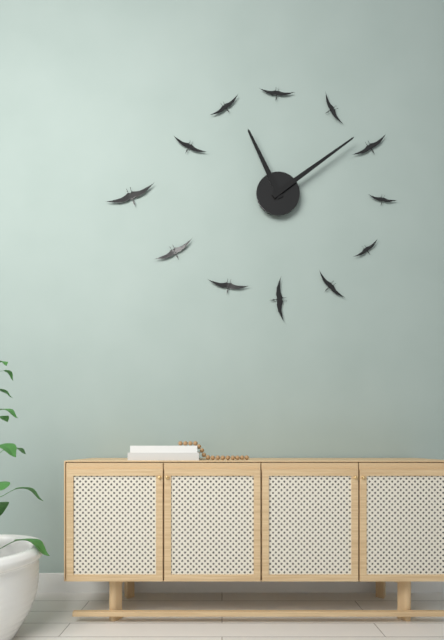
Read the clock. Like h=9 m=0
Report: h=11 m=9
